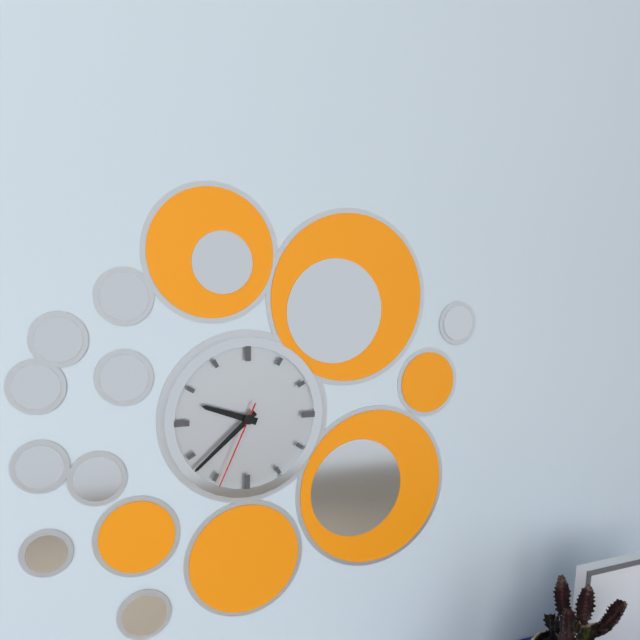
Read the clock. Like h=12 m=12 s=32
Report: h=9 m=38 s=34
